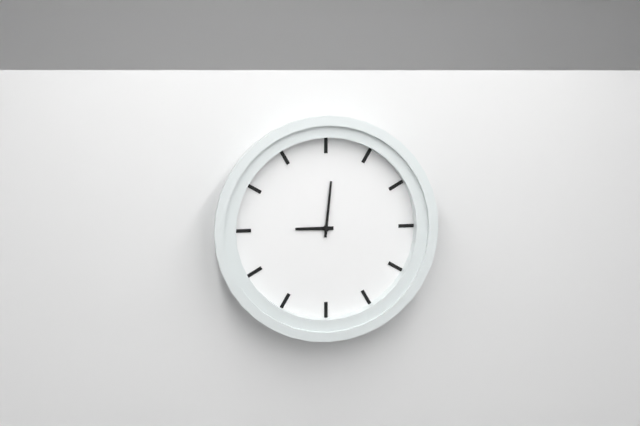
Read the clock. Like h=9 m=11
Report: h=9 m=1
